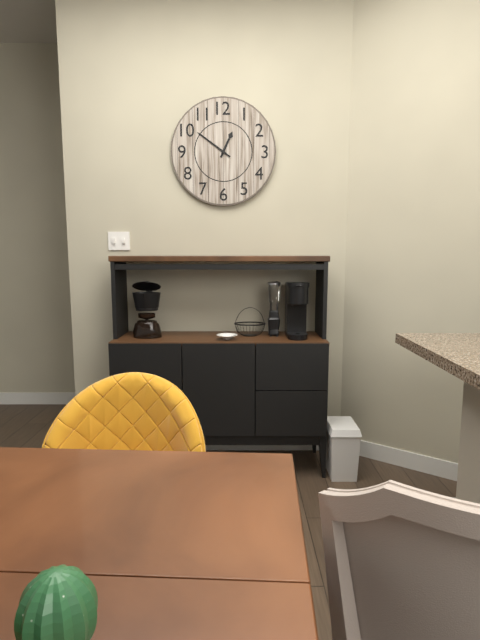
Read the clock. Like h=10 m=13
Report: h=12 m=51
